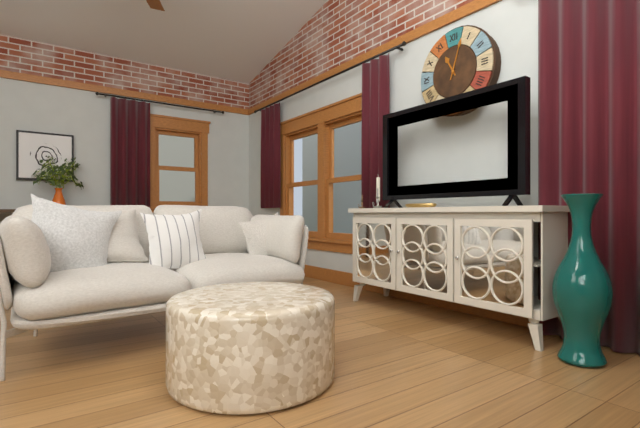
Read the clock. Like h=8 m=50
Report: h=11 m=3
